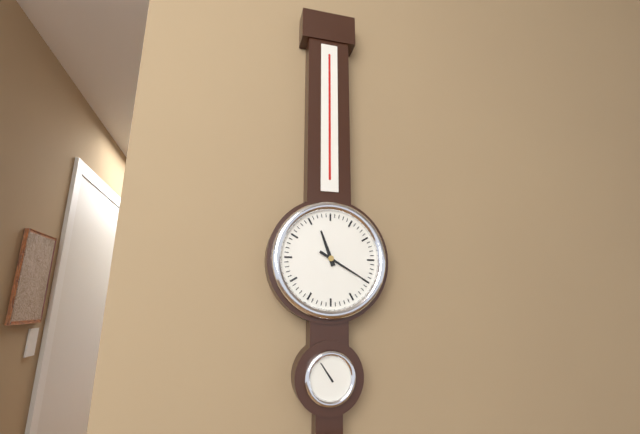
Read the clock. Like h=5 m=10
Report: h=11 m=20
